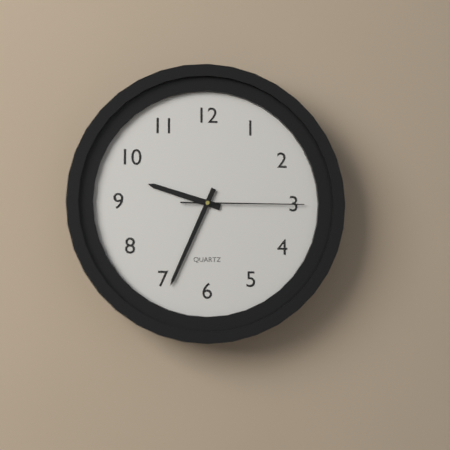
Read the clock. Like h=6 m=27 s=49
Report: h=9 m=34 s=15
